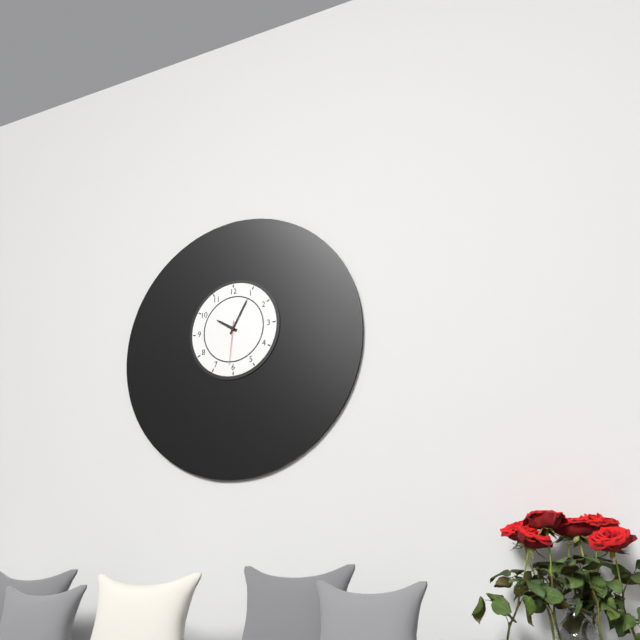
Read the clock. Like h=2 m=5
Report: h=10 m=5
